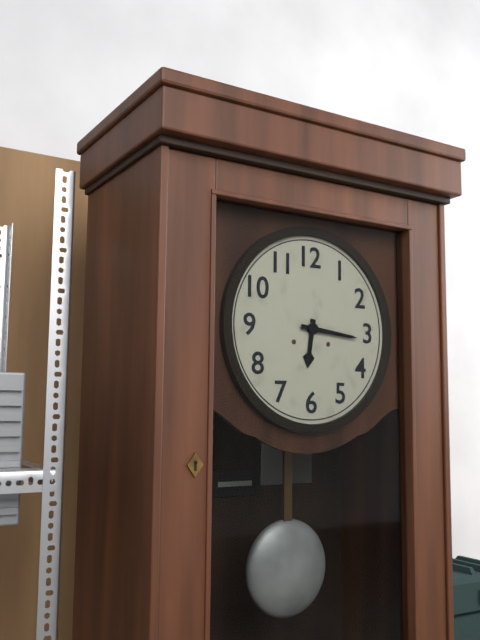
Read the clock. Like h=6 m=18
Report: h=6 m=16
